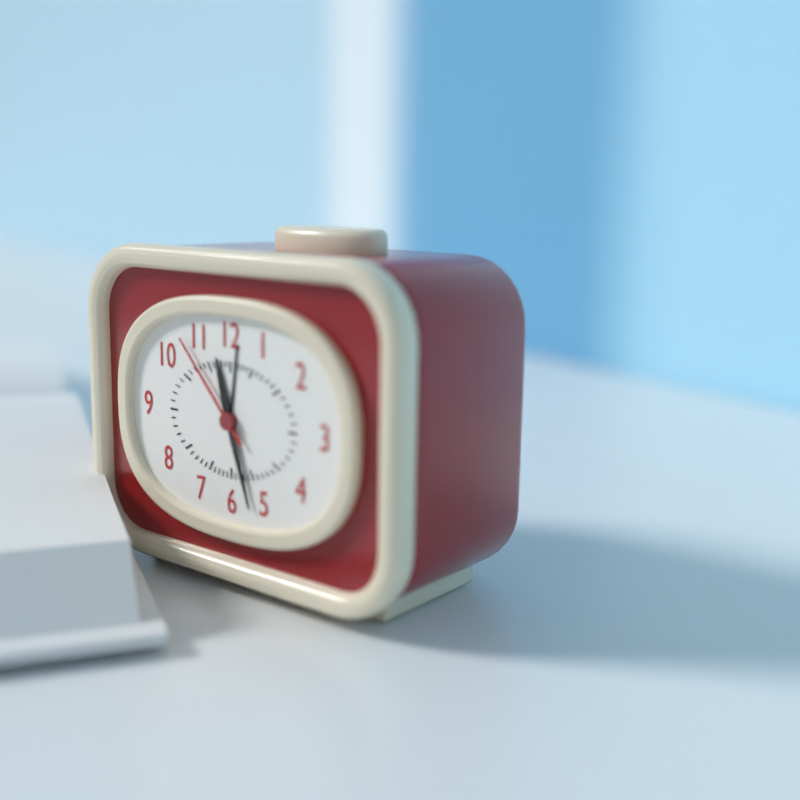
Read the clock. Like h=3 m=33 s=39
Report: h=11 m=27 s=53
